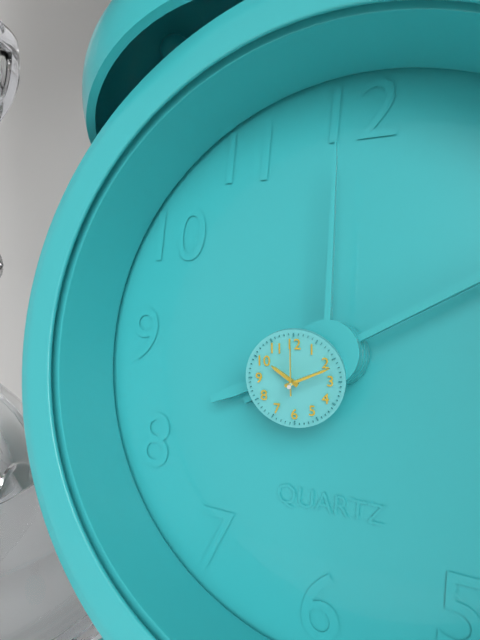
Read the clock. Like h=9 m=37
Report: h=10 m=11
